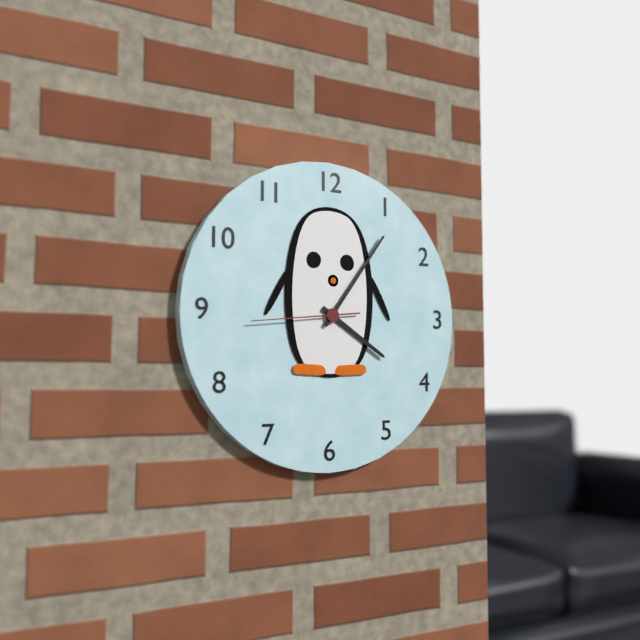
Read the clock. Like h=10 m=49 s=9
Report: h=4 m=6 s=44
